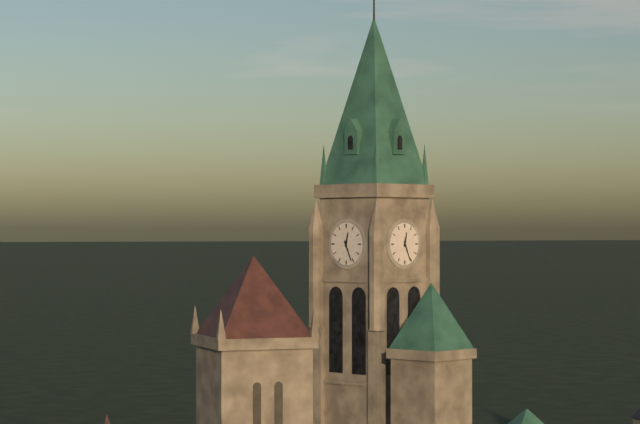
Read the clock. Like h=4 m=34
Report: h=12 m=26
